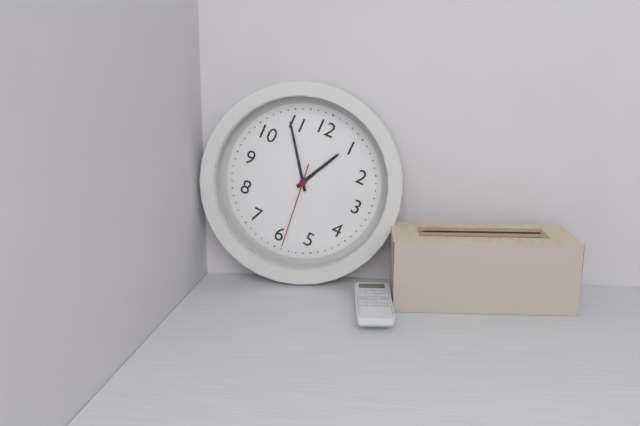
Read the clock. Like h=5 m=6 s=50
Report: h=12 m=54 s=29
